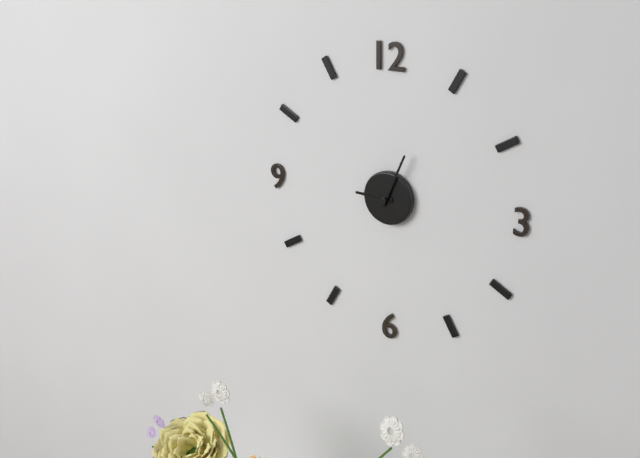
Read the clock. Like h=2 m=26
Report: h=9 m=4
